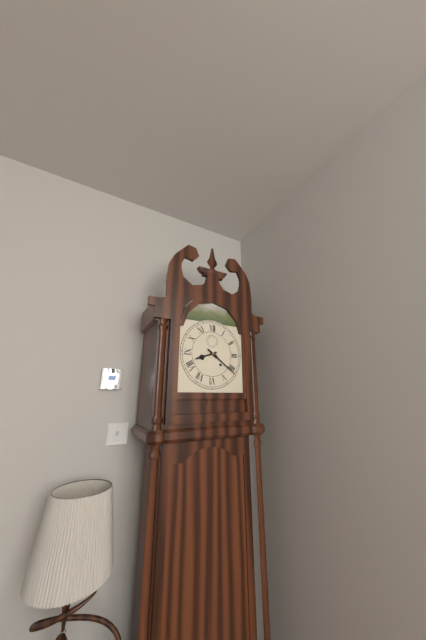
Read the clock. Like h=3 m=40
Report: h=8 m=21
